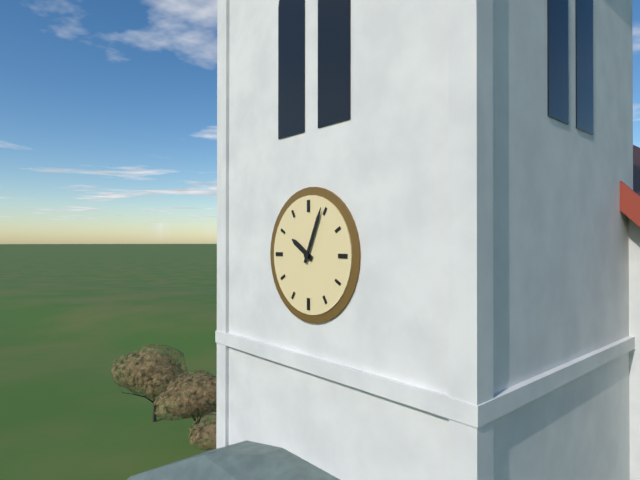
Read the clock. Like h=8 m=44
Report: h=10 m=4
